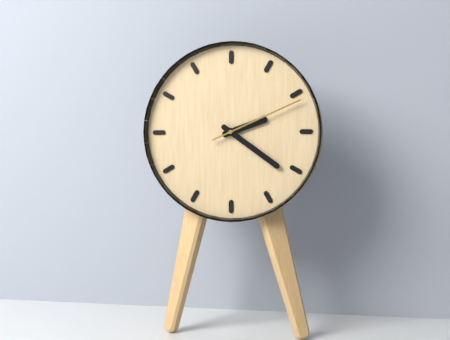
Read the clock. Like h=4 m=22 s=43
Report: h=2 m=21 s=11
